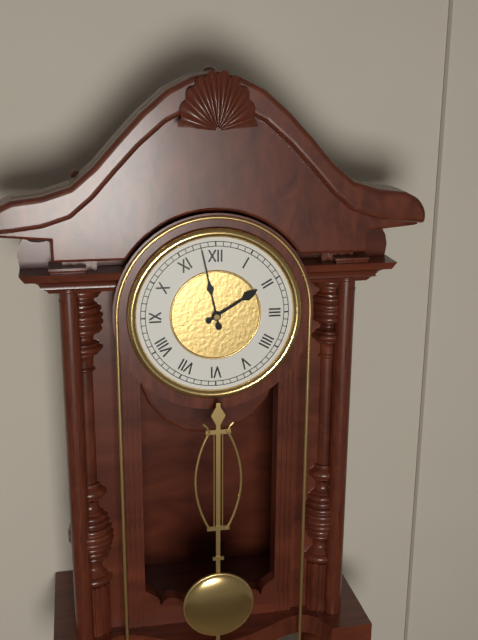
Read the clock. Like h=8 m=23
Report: h=1 m=58
